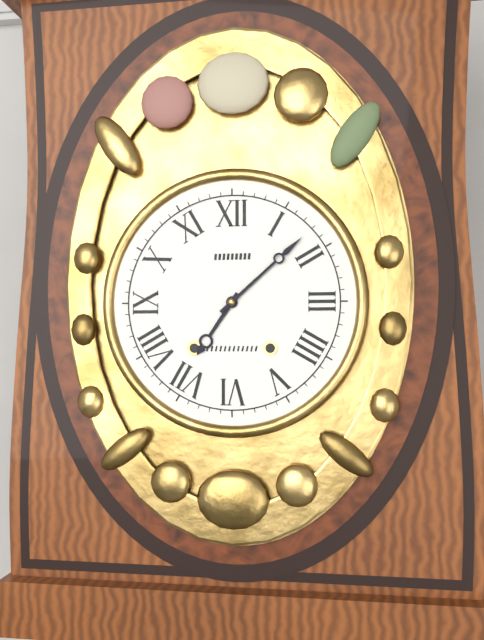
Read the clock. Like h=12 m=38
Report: h=7 m=8
